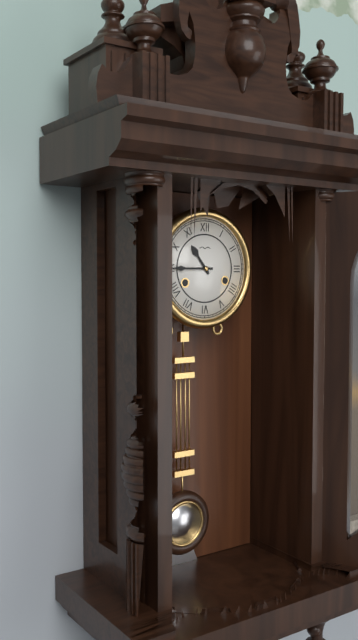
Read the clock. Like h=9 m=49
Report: h=10 m=45
